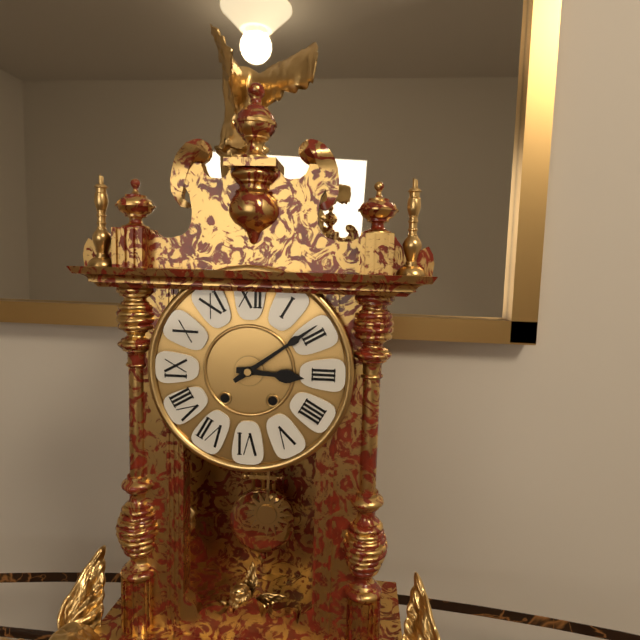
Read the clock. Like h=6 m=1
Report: h=3 m=9
